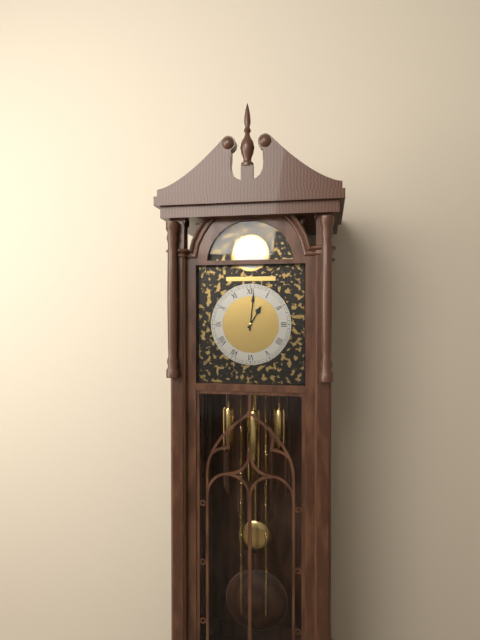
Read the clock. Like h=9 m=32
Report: h=1 m=1
